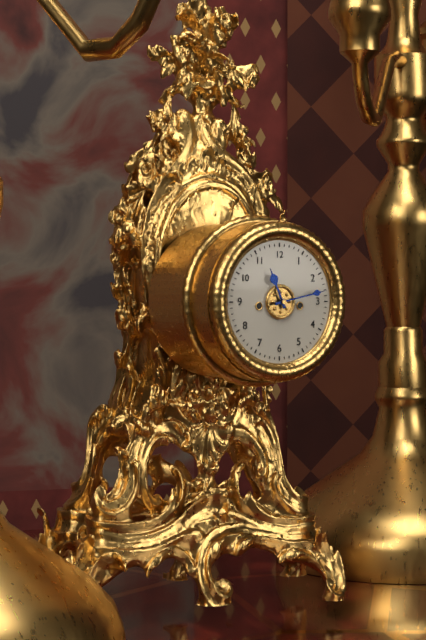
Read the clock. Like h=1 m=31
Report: h=11 m=13
